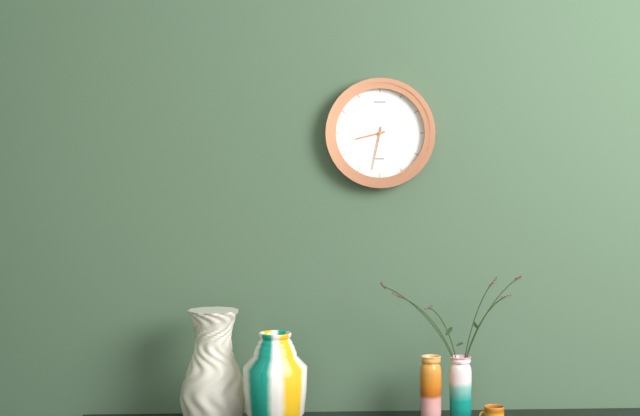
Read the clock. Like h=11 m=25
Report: h=8 m=32
